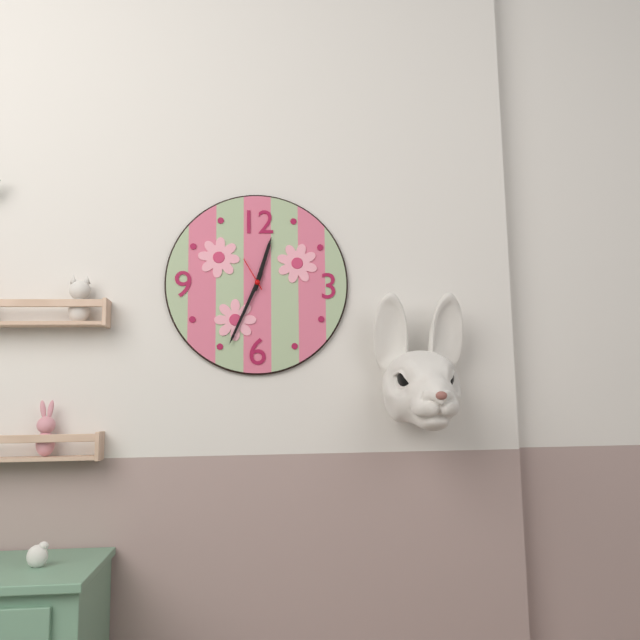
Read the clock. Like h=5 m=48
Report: h=12 m=34
